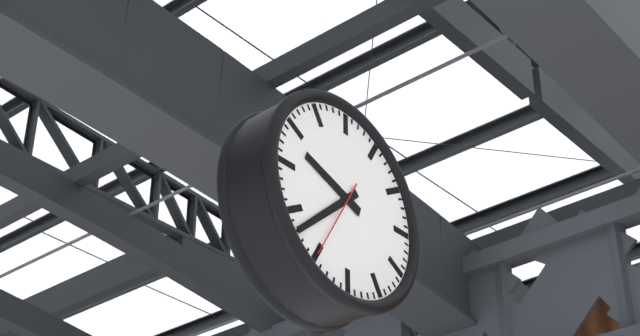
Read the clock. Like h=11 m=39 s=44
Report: h=9 m=38 s=35
